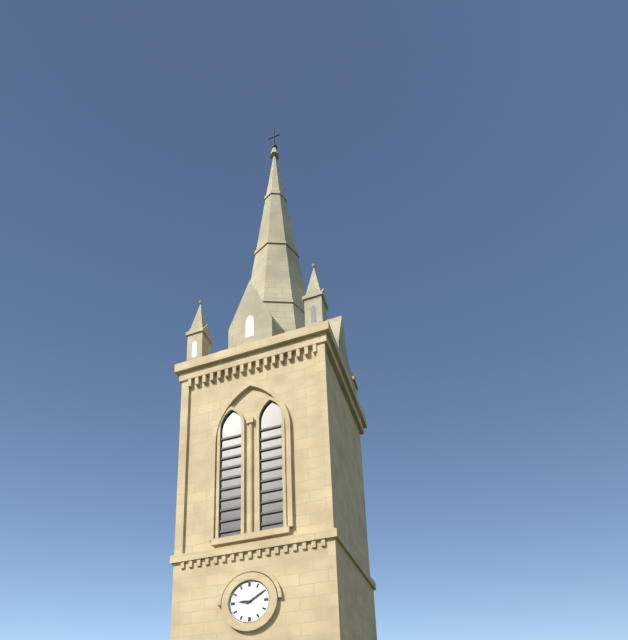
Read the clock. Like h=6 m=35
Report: h=9 m=10
